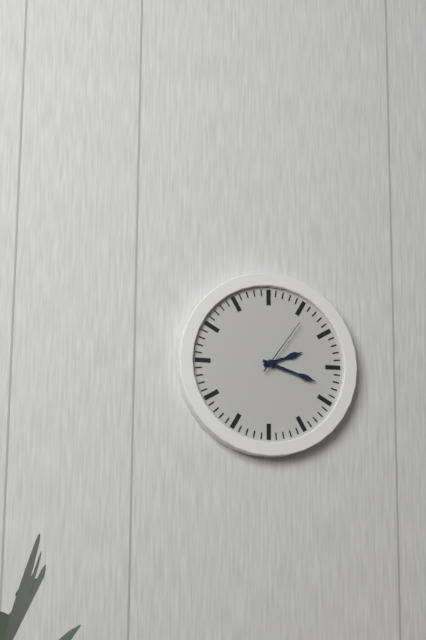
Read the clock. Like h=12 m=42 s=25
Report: h=2 m=18 s=6
